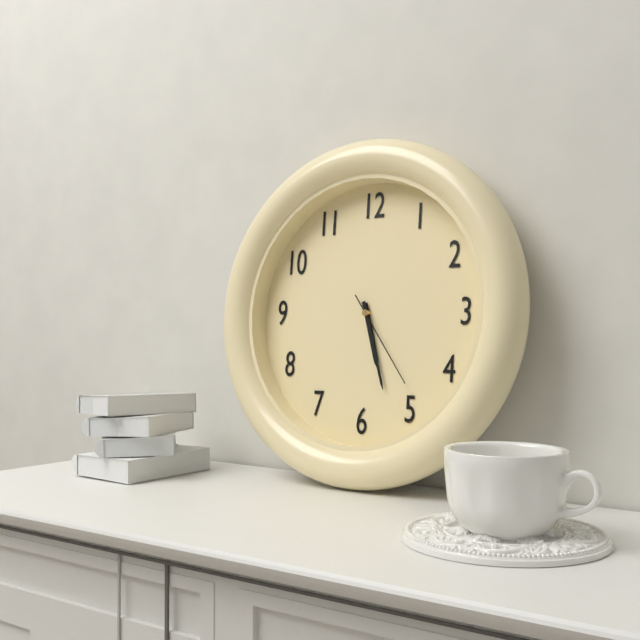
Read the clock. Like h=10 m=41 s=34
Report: h=5 m=27 s=24
